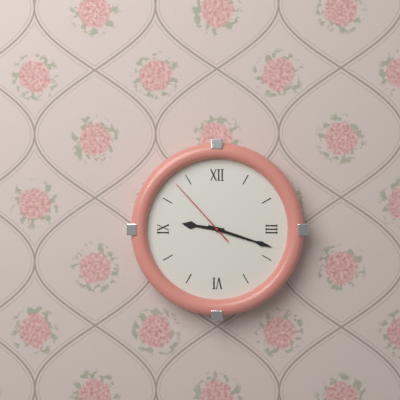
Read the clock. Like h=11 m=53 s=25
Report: h=9 m=18 s=53
